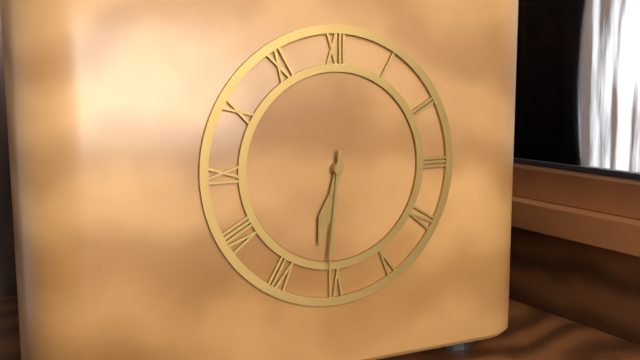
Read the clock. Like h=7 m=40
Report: h=6 m=31
